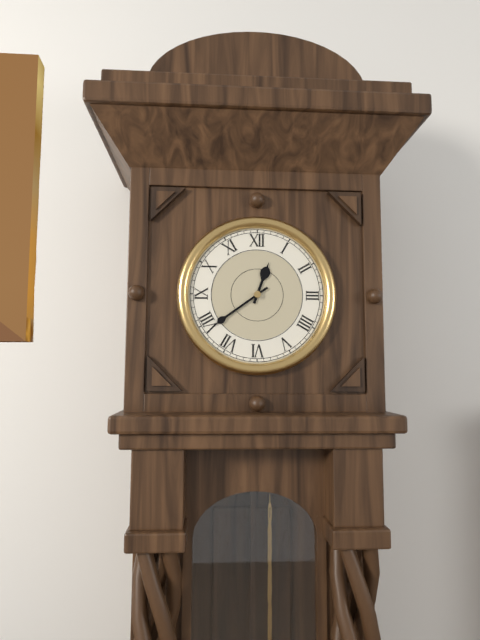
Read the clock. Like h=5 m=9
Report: h=12 m=39
